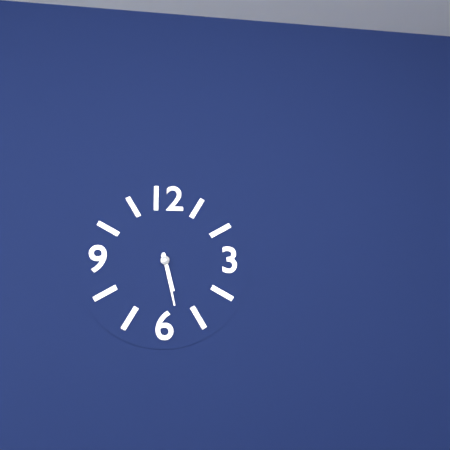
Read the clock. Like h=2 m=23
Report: h=5 m=28
